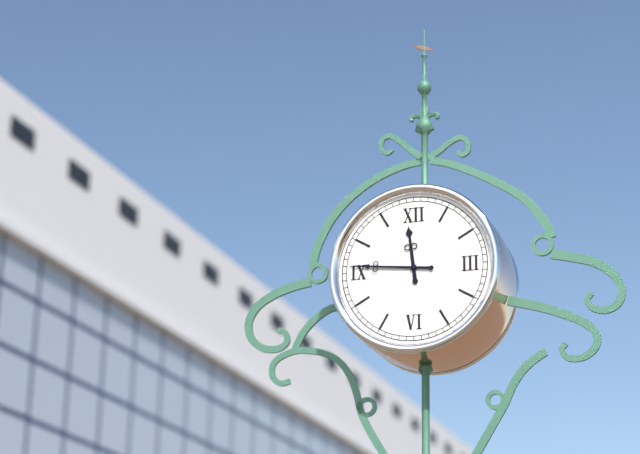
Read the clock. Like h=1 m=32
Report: h=11 m=46
